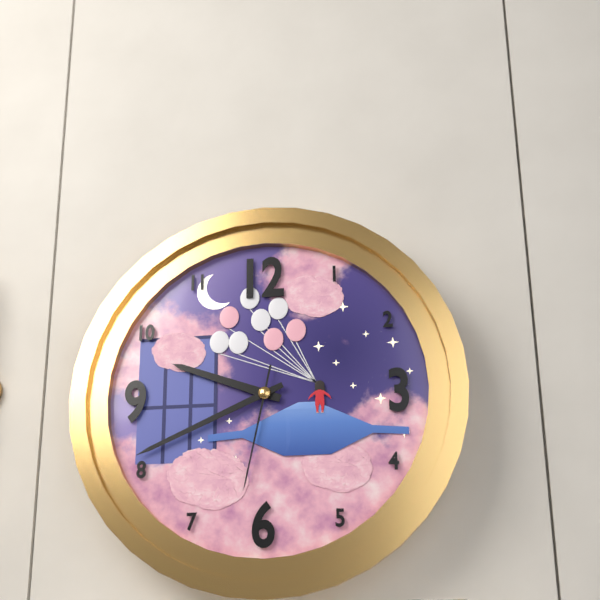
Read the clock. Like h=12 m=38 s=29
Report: h=9 m=41 s=32
